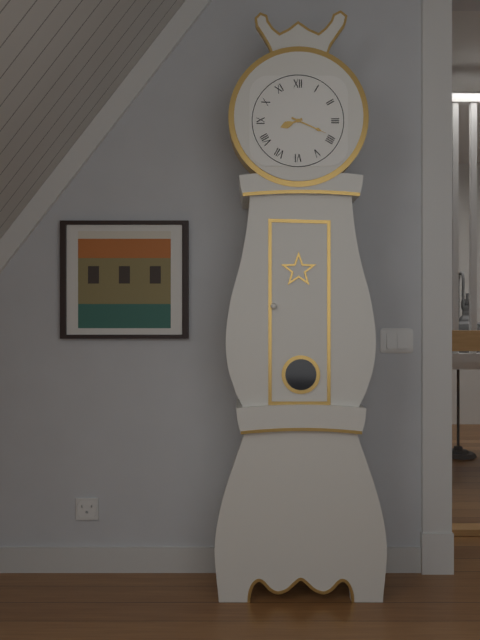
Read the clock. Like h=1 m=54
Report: h=8 m=19
